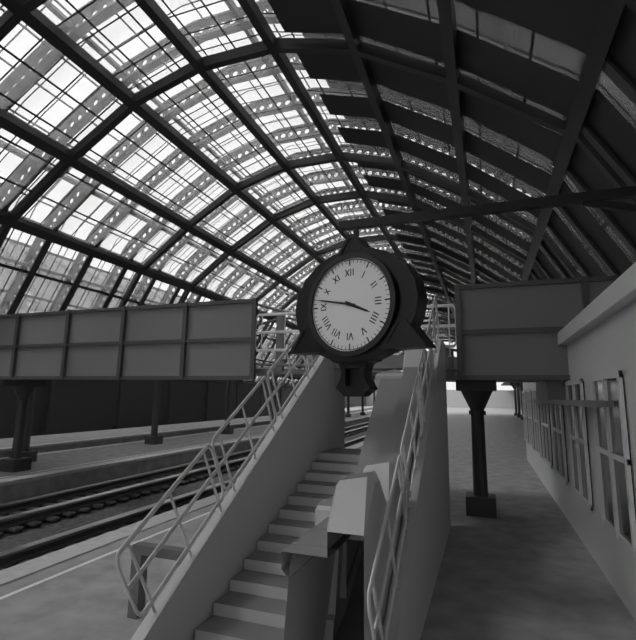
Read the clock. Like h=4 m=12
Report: h=3 m=47
